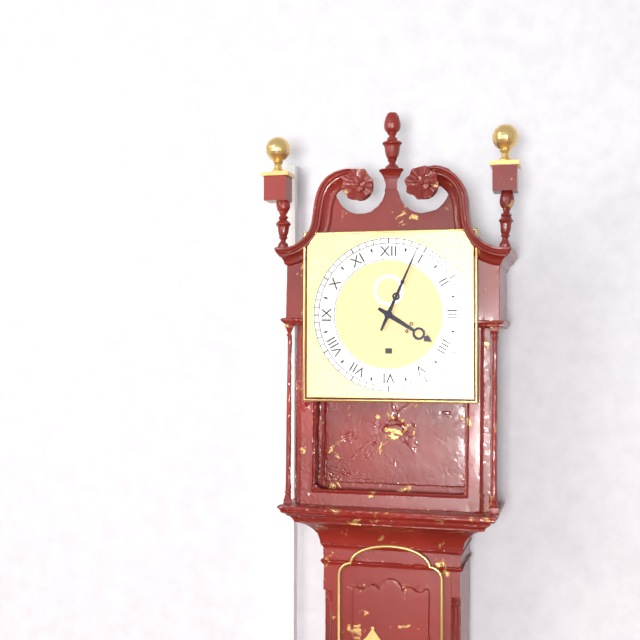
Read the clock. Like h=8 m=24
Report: h=4 m=4
